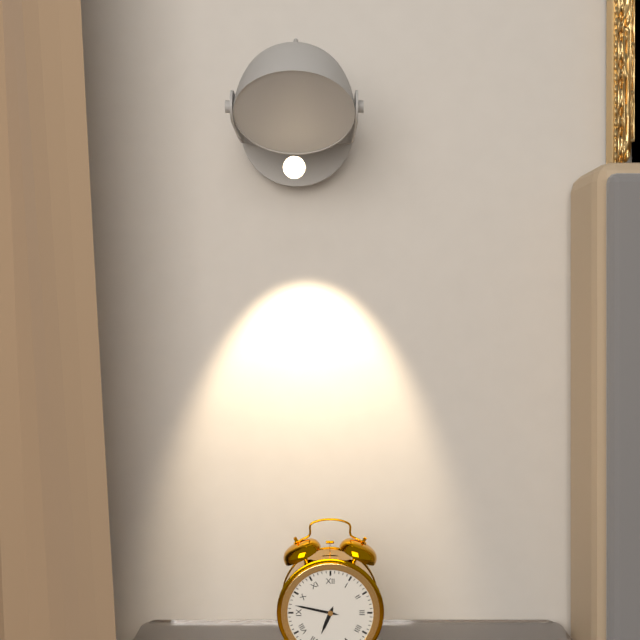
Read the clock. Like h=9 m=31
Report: h=6 m=47
